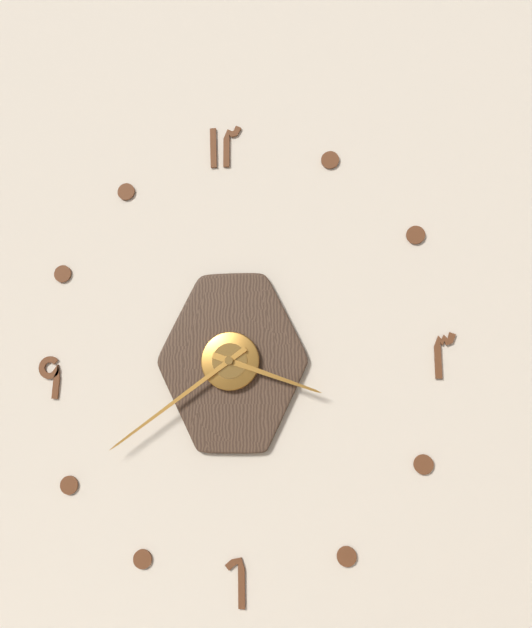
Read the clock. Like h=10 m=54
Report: h=3 m=39
